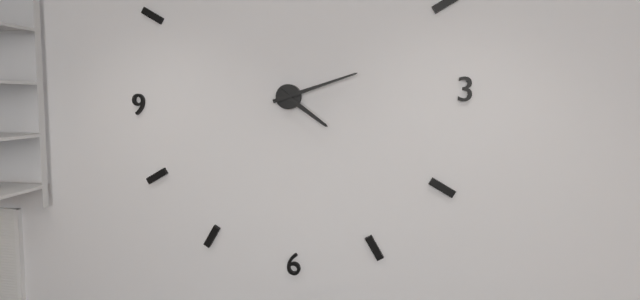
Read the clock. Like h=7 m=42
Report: h=4 m=12
